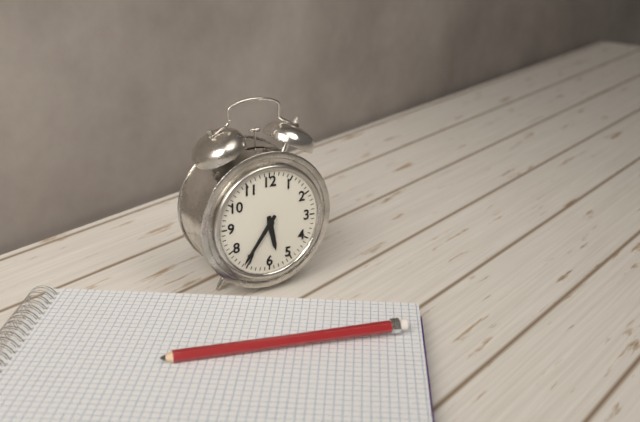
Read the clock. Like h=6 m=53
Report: h=5 m=36
